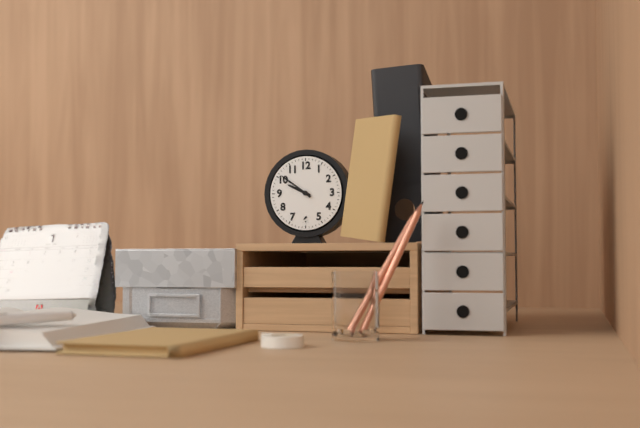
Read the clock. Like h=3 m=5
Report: h=9 m=51
